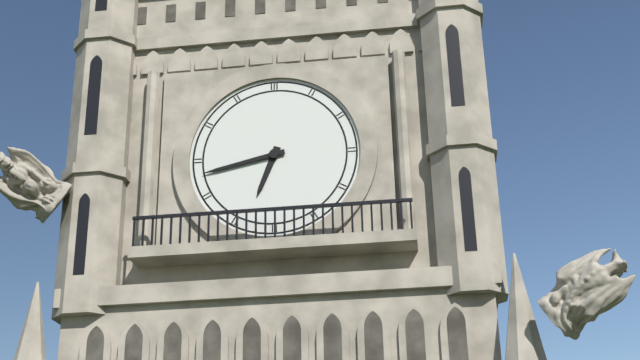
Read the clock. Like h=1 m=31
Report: h=6 m=43
